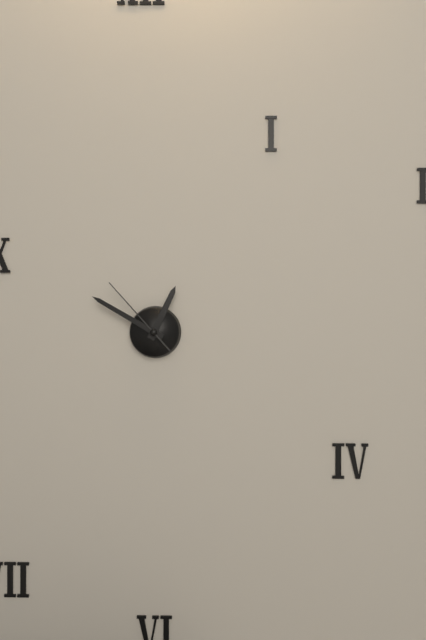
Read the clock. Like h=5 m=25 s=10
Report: h=12 m=50 s=53
